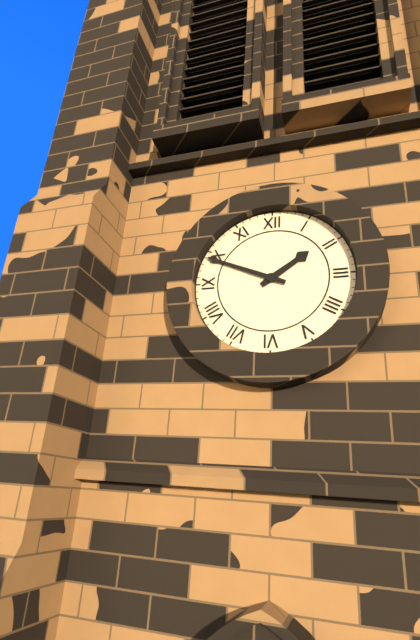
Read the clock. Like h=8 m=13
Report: h=1 m=49
